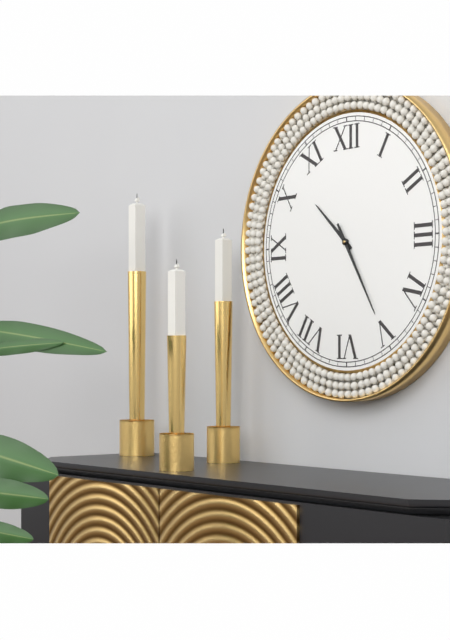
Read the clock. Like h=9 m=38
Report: h=10 m=25
